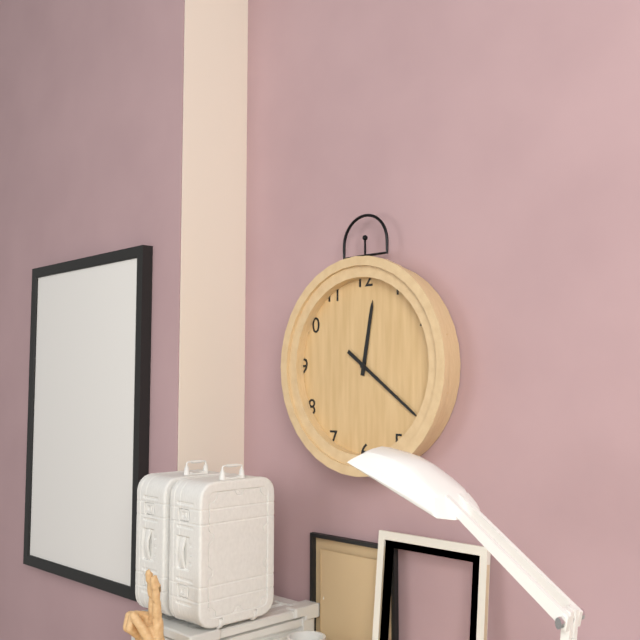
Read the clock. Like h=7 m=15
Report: h=12 m=21
